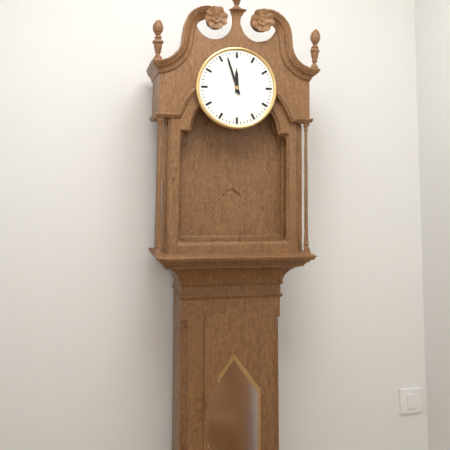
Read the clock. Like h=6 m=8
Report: h=11 m=57
